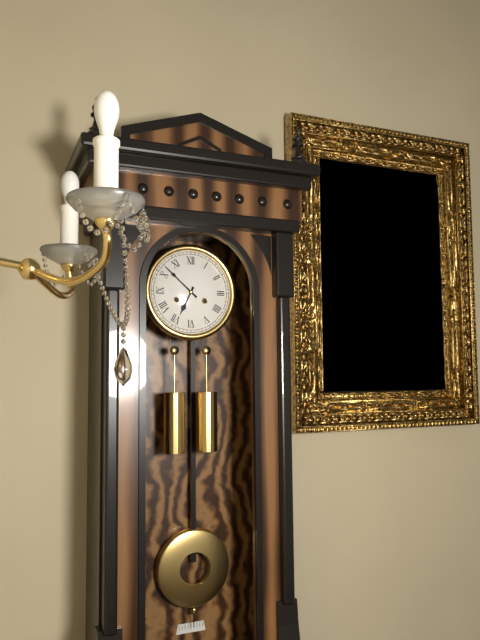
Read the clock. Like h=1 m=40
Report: h=6 m=52
